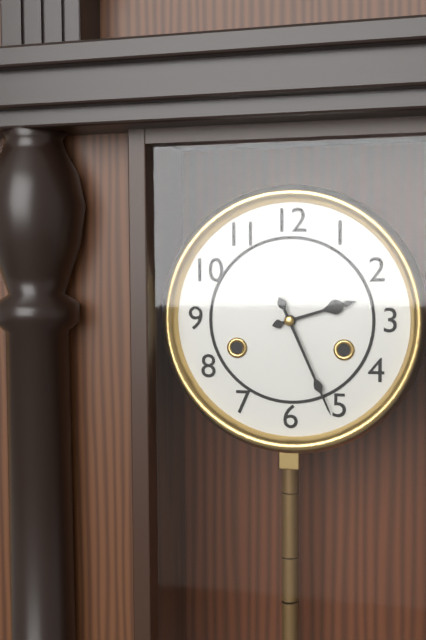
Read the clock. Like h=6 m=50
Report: h=2 m=26
